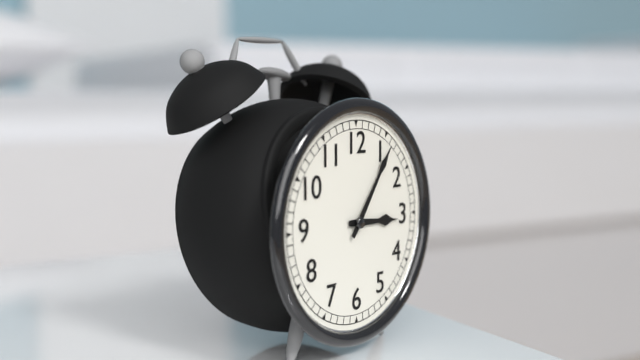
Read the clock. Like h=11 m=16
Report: h=3 m=6
